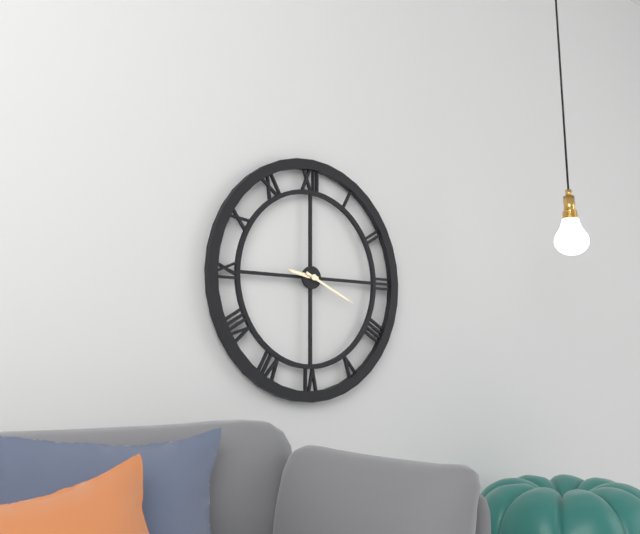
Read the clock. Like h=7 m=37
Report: h=9 m=19
